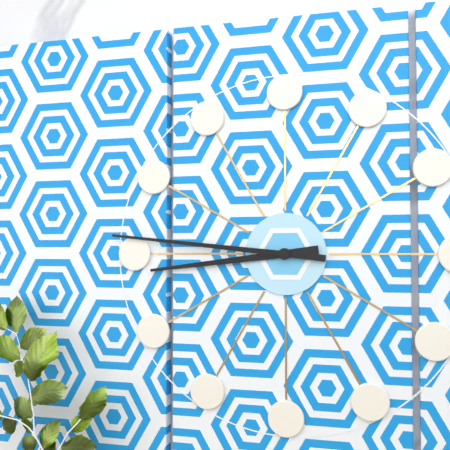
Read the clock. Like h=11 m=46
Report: h=8 m=46
